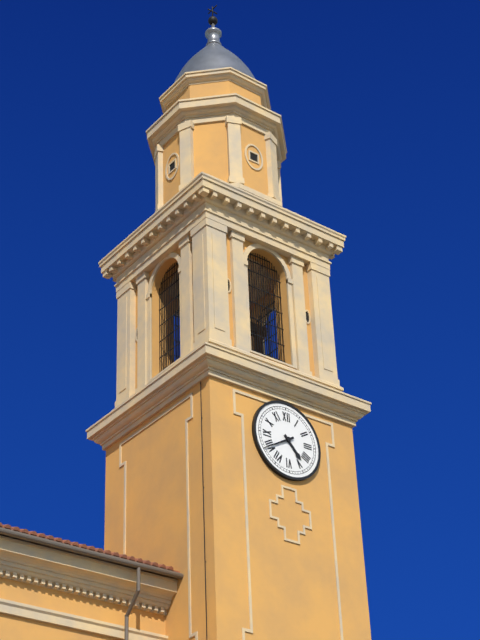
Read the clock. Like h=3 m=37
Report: h=4 m=40
